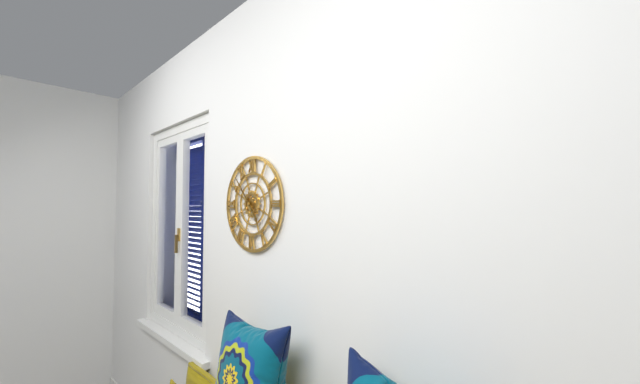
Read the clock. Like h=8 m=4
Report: h=4 m=53
